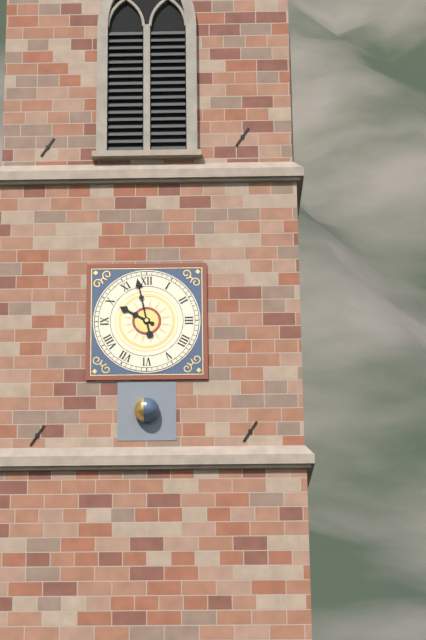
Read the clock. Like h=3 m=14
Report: h=9 m=58
